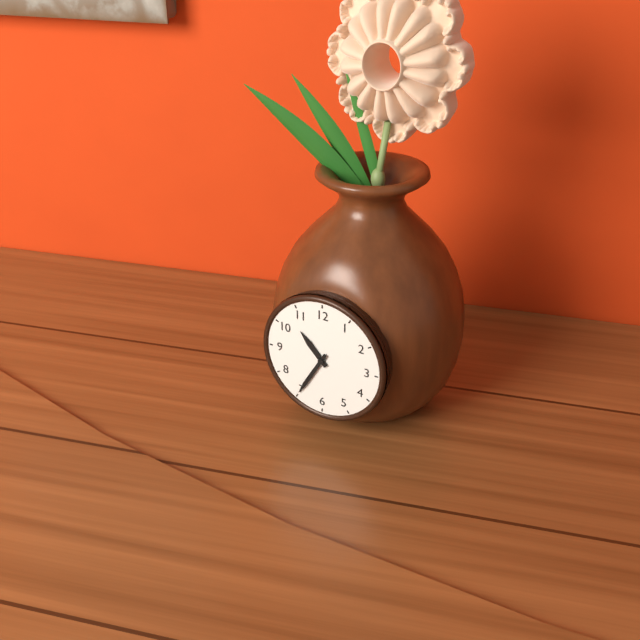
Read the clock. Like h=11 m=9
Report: h=10 m=35
